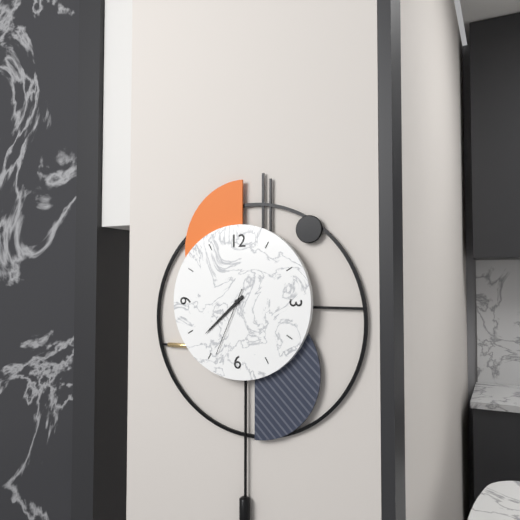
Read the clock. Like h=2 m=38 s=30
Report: h=7 m=38 s=34
